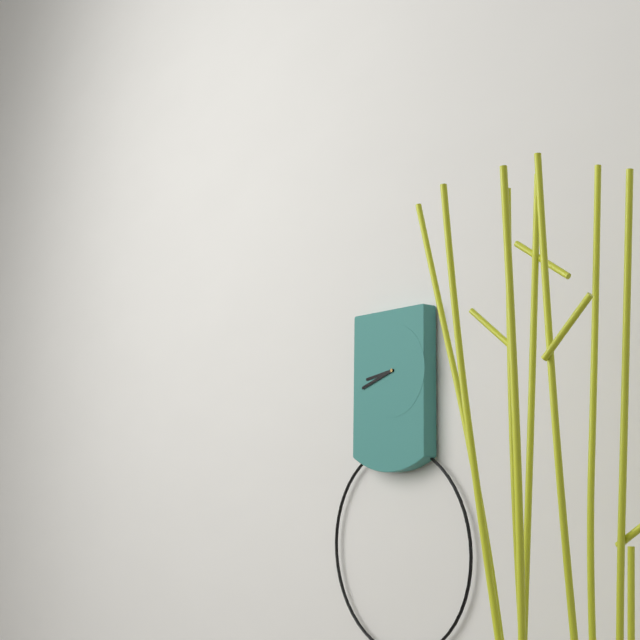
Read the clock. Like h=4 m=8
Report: h=8 m=42
